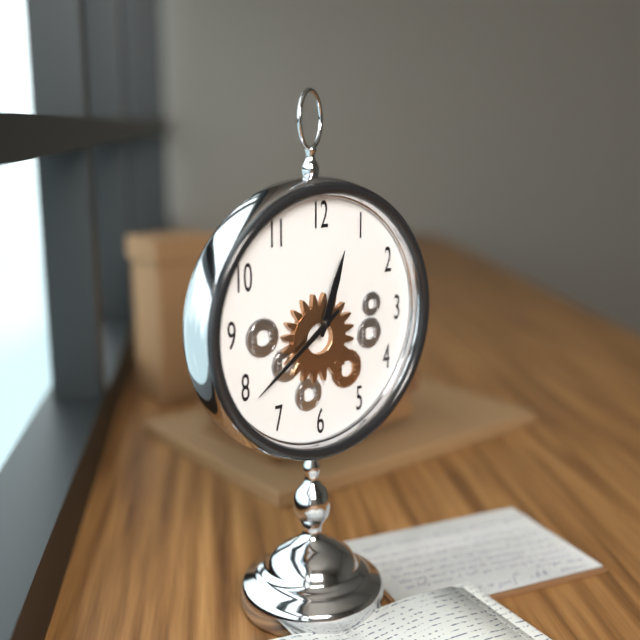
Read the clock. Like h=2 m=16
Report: h=12 m=39
